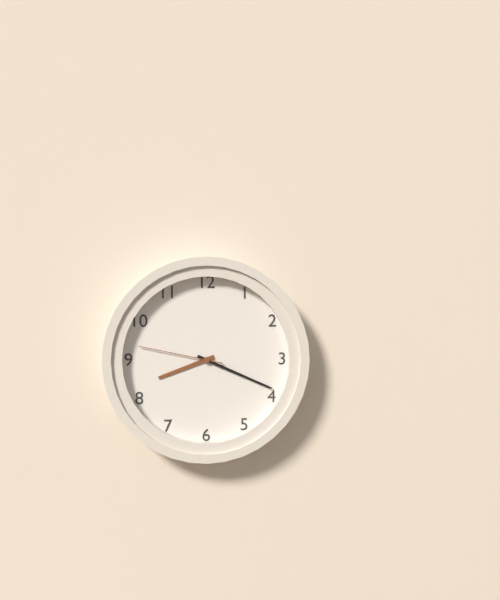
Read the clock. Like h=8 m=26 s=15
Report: h=8 m=19 s=47
